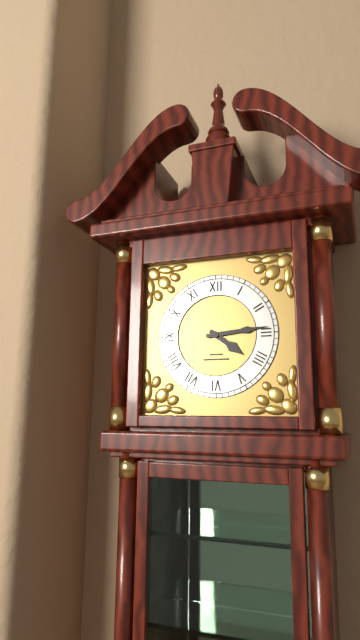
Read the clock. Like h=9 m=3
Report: h=4 m=14
